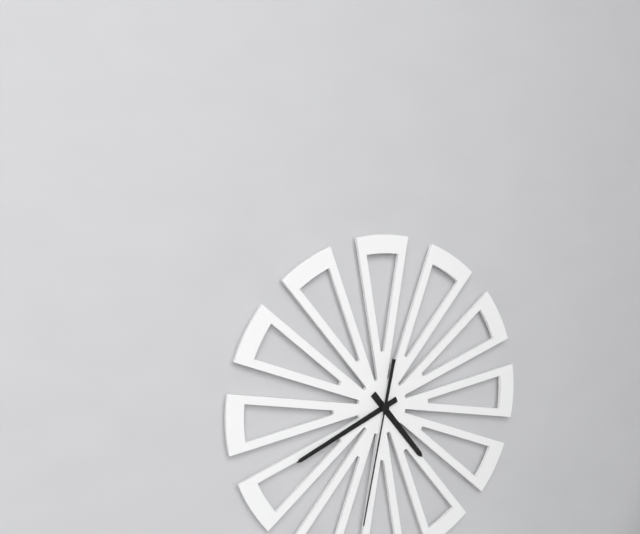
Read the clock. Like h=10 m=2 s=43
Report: h=4 m=41 s=32
